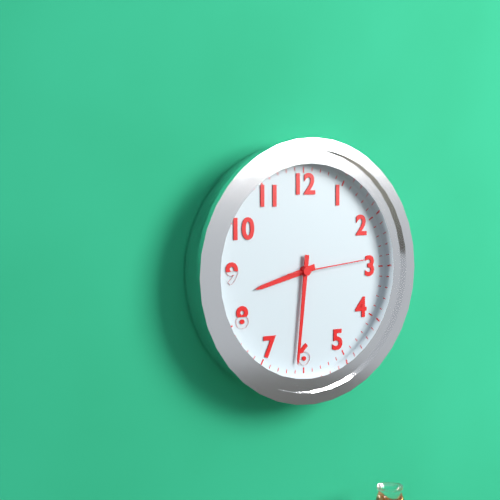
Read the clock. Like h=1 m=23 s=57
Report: h=8 m=31 s=14
